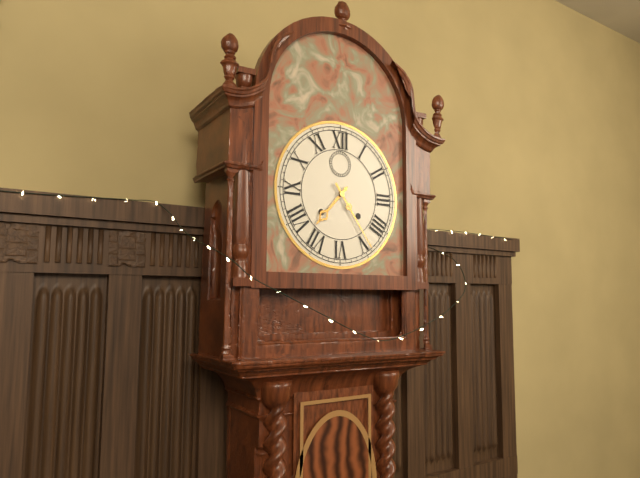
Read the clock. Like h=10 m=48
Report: h=7 m=24
